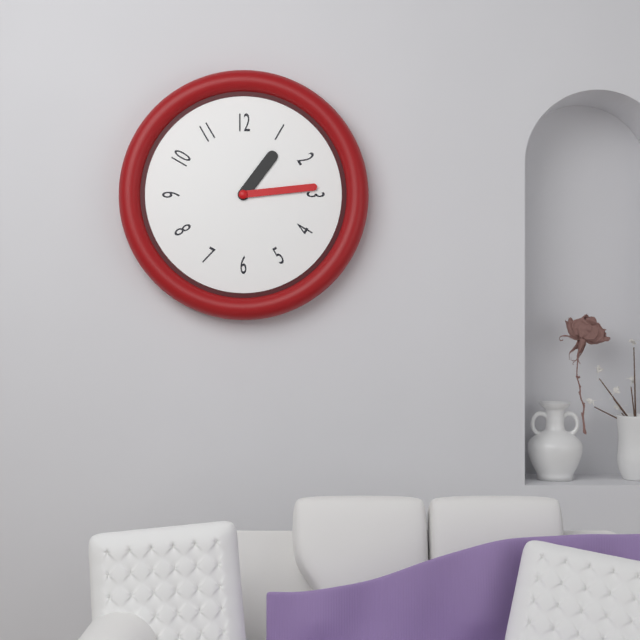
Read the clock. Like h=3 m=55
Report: h=1 m=14
